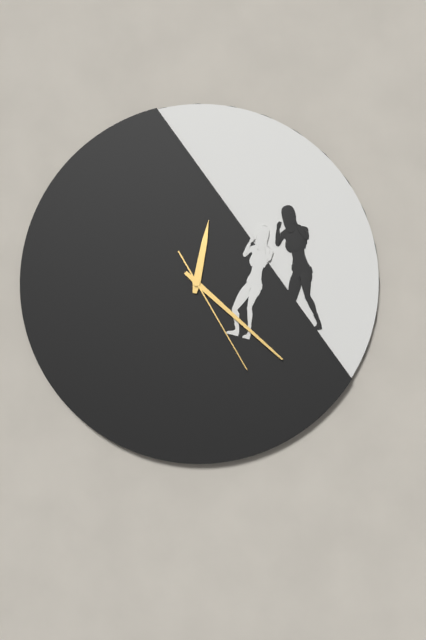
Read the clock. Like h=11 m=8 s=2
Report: h=12 m=22 s=25
